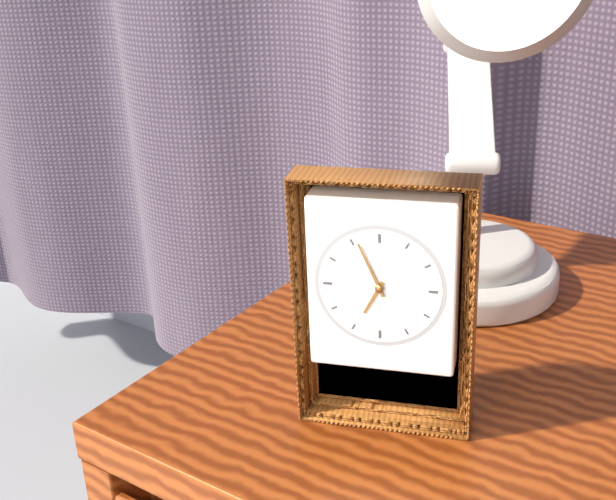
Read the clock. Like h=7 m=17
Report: h=6 m=56
